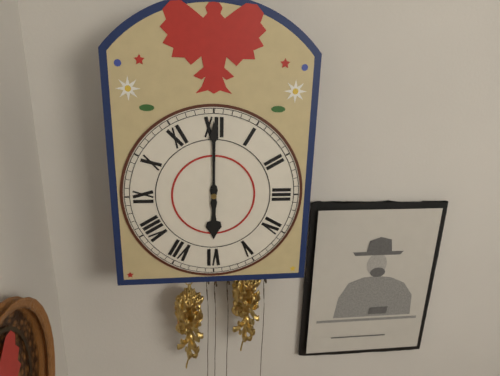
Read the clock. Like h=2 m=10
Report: h=6 m=0
